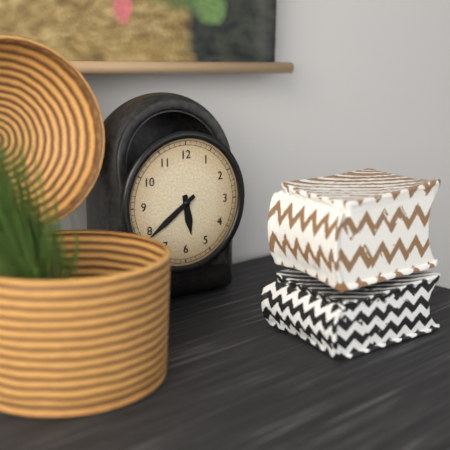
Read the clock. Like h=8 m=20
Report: h=5 m=39
